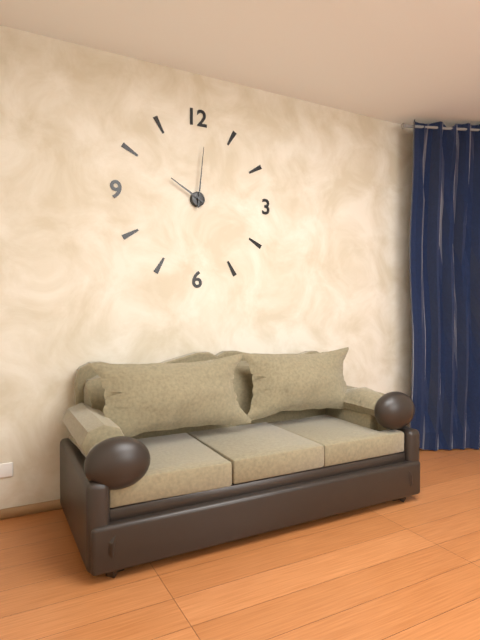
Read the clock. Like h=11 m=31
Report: h=10 m=1
